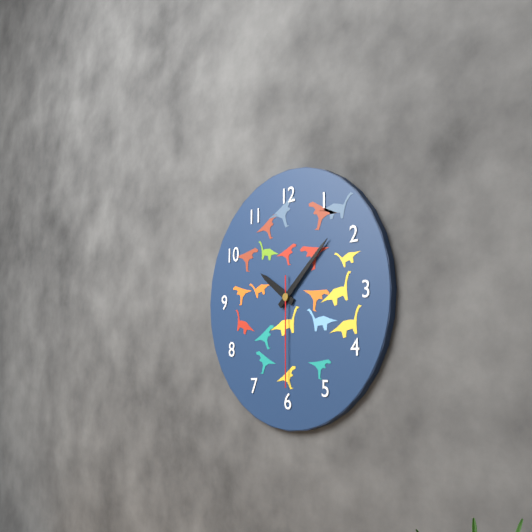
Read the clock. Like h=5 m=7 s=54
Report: h=10 m=8 s=30
